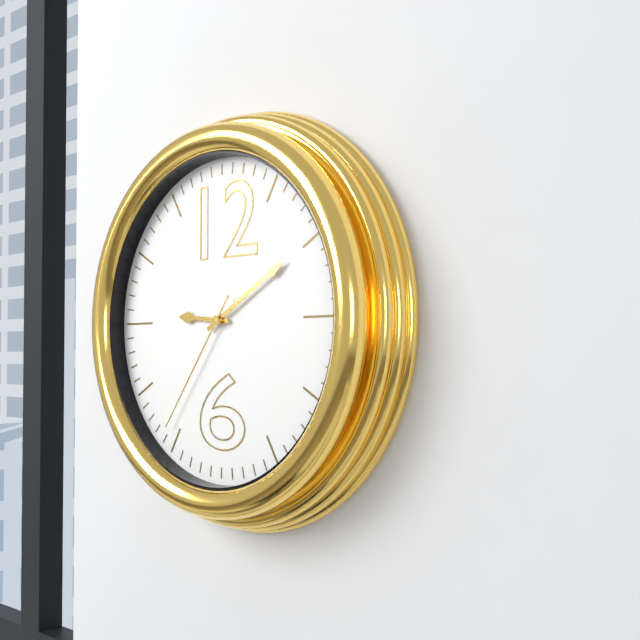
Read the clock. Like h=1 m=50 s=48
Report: h=9 m=10 s=36
